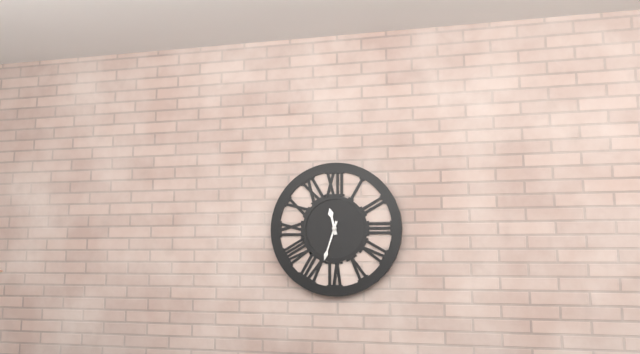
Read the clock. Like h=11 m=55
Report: h=11 m=33
